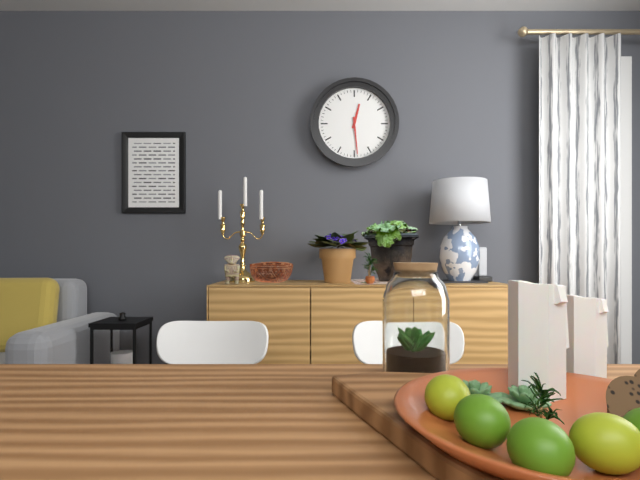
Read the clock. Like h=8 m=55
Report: h=12 m=29
